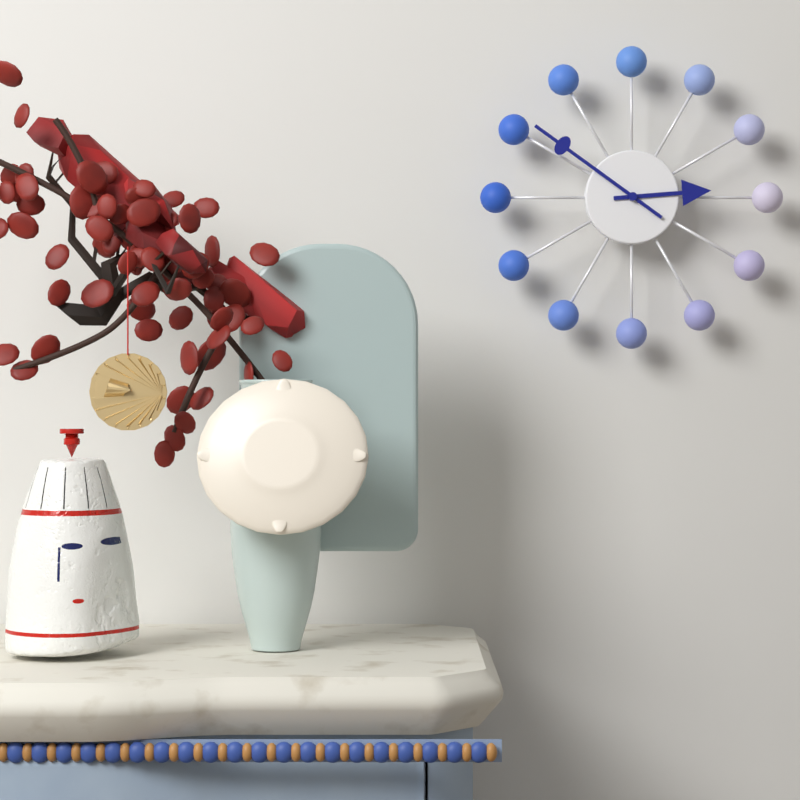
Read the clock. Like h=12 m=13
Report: h=2 m=51
